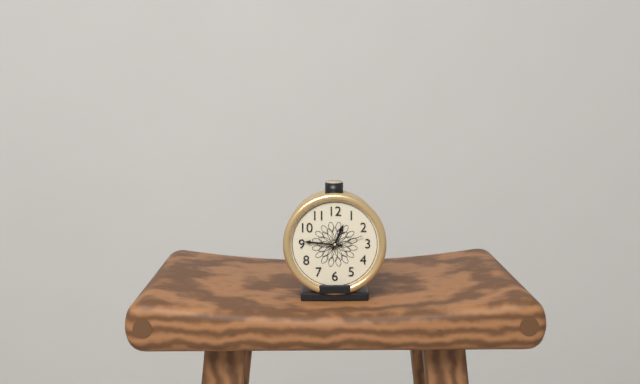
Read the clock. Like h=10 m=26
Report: h=12 m=46
